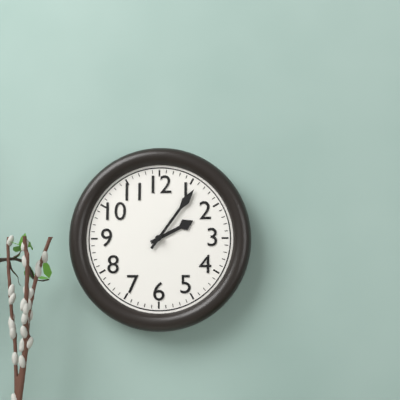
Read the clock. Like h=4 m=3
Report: h=2 m=6
